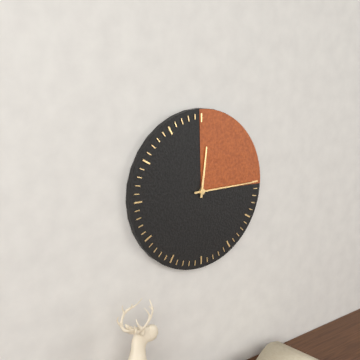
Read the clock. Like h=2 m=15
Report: h=12 m=15
